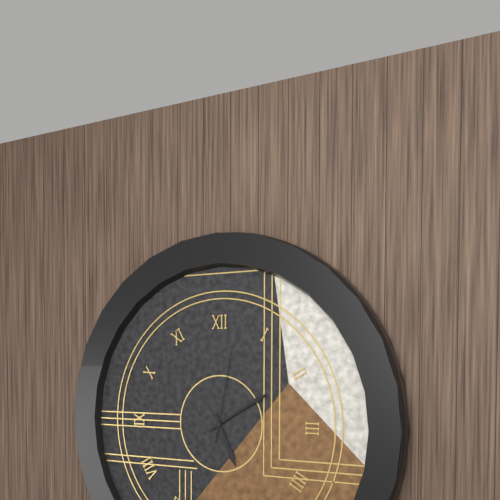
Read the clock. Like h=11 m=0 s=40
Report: h=5 m=10 s=2
